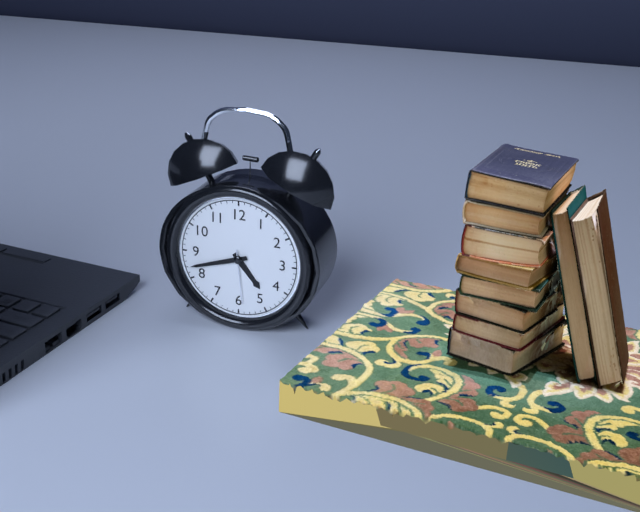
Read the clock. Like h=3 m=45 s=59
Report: h=4 m=42 s=29
